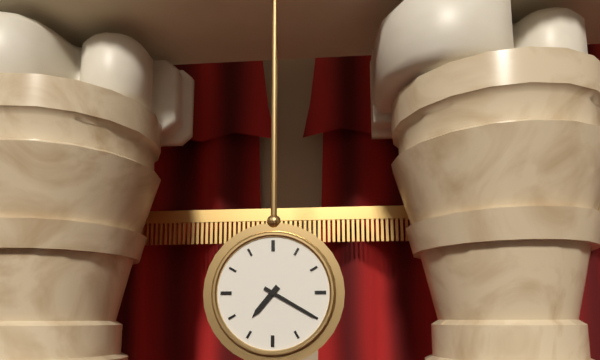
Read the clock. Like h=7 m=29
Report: h=7 m=20
